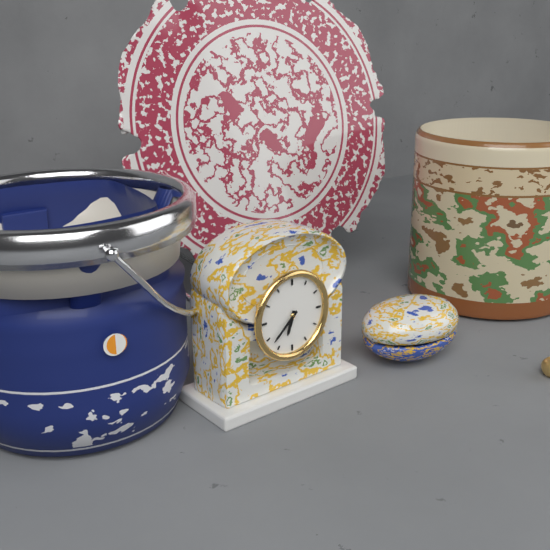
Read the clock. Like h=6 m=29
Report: h=6 m=38
